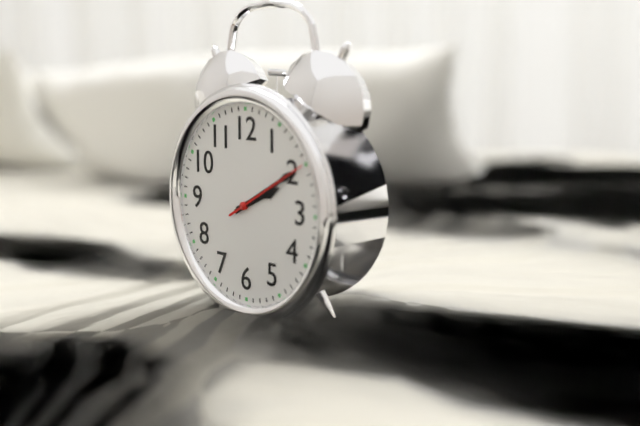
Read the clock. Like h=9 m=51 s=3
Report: h=2 m=10 s=10
